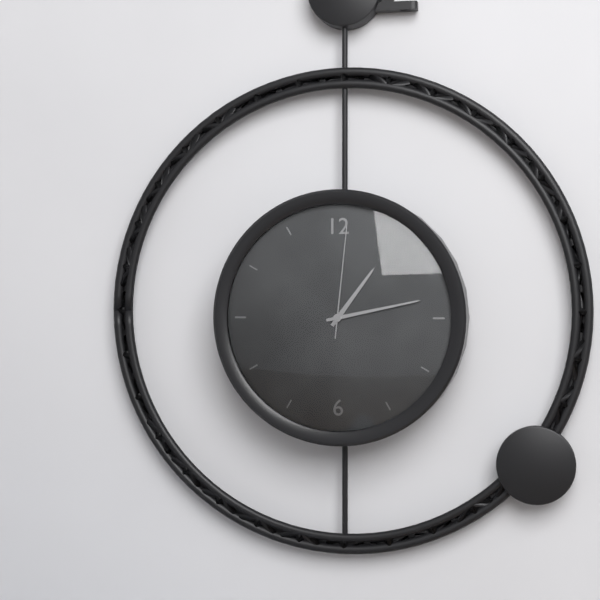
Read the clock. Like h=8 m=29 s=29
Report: h=1 m=13 s=1
